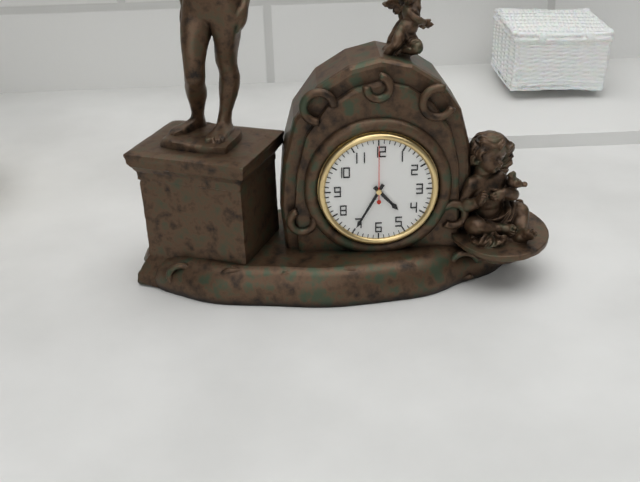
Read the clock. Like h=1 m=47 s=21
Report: h=4 m=35 s=0
